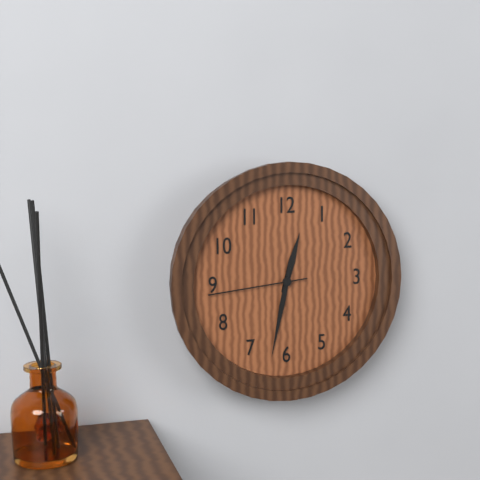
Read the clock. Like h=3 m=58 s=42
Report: h=12 m=32 s=44
